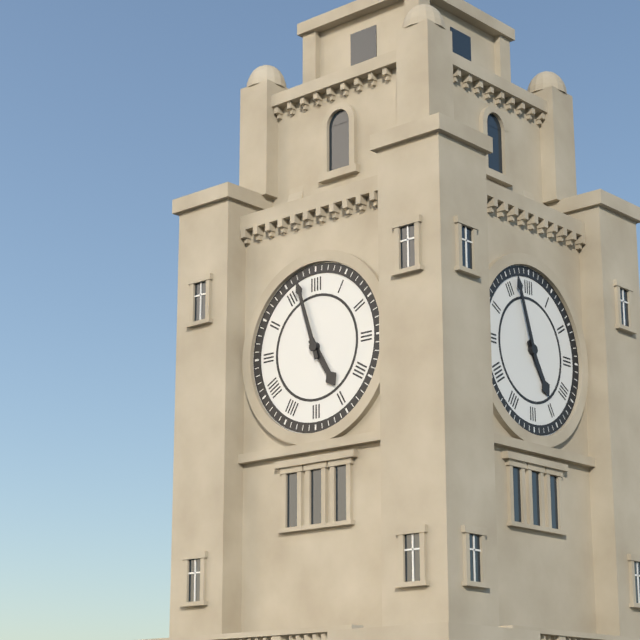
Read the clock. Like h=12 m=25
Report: h=4 m=57
